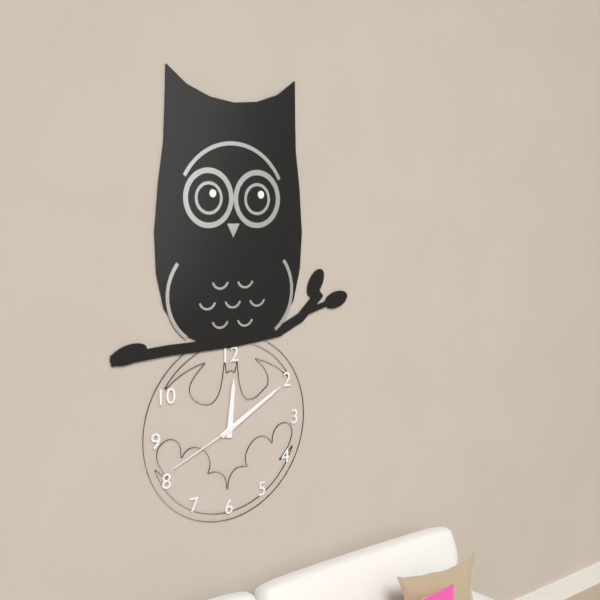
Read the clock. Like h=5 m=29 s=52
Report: h=12 m=10 s=41
